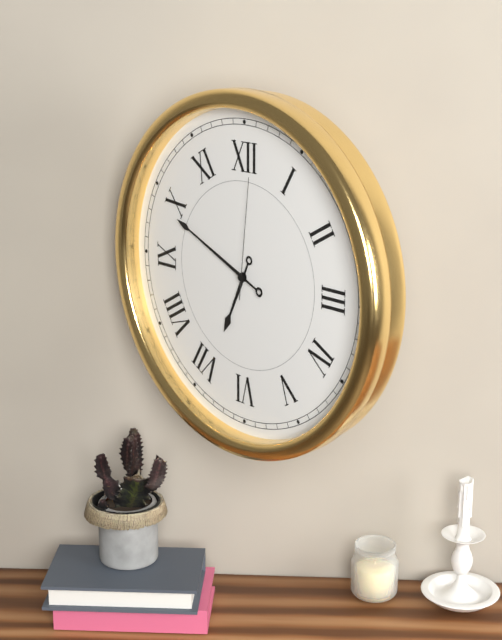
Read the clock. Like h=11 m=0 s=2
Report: h=6 m=49 s=1
